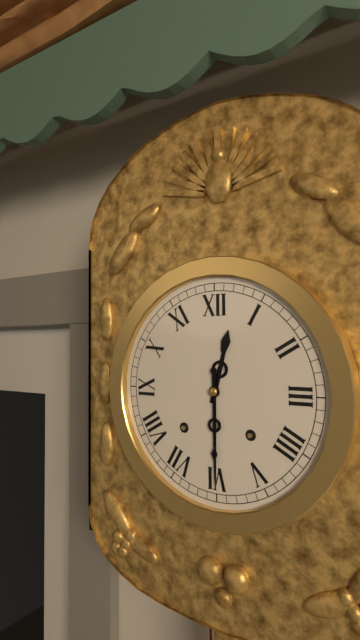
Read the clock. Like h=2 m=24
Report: h=12 m=30
